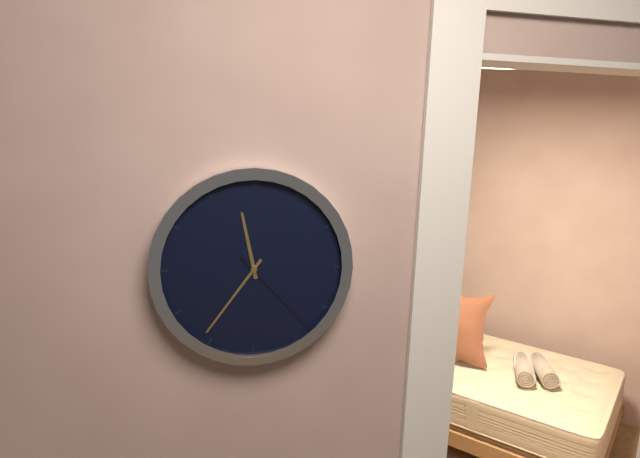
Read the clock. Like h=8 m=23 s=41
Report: h=11 m=36 s=23
